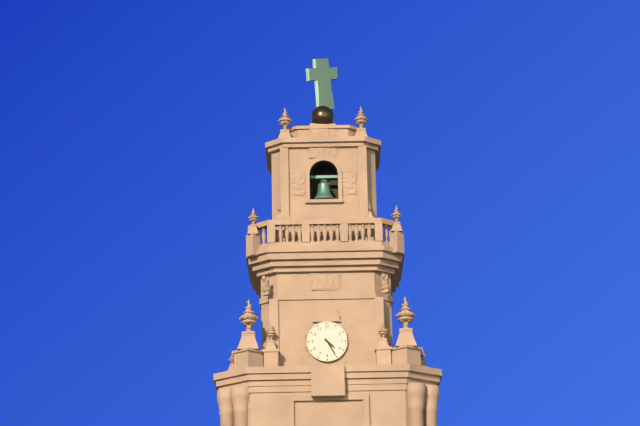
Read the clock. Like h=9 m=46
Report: h=4 m=25
